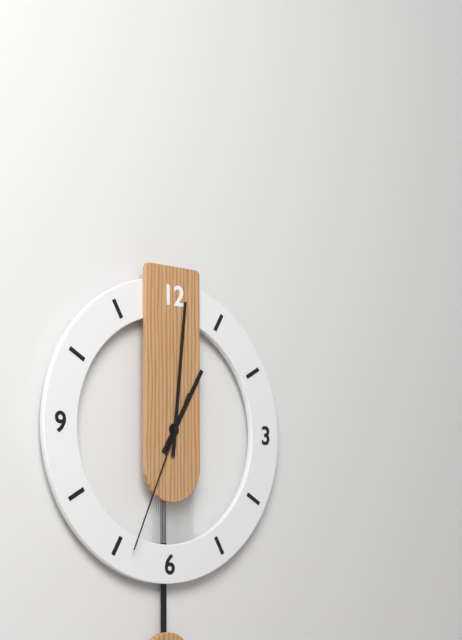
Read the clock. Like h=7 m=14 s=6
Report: h=1 m=1 s=34
